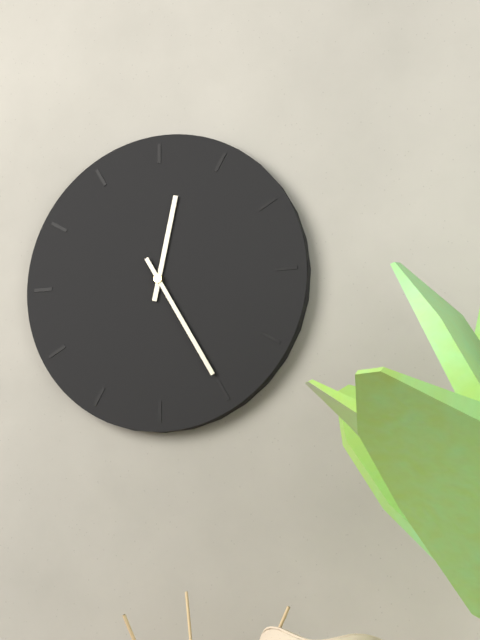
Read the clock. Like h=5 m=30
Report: h=12 m=25
